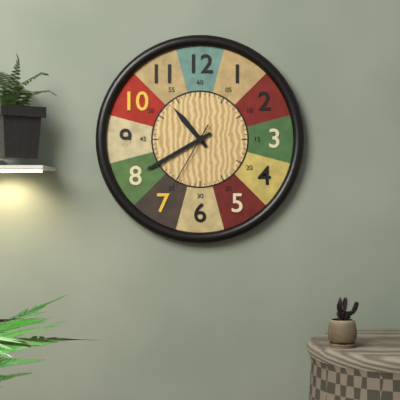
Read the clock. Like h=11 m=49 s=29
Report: h=10 m=40 s=35
